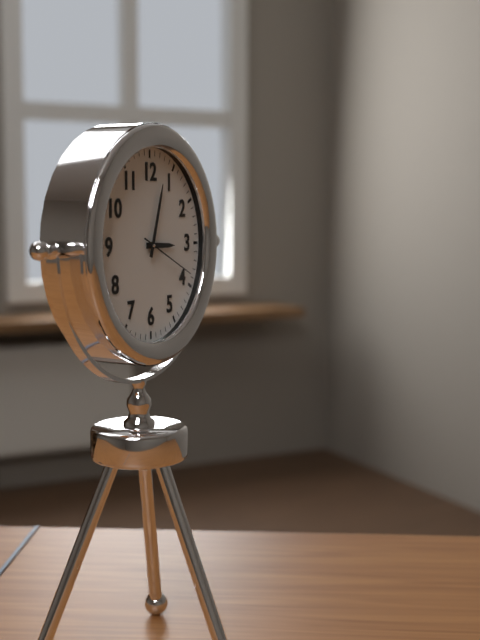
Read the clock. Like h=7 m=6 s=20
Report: h=3 m=3 s=19
